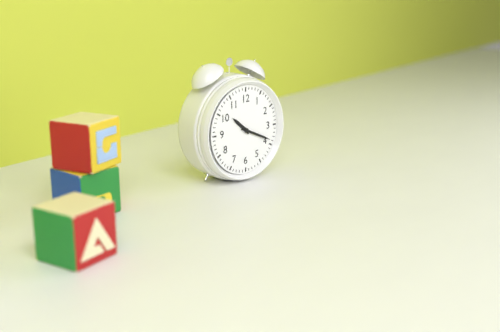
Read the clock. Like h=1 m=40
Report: h=10 m=19
